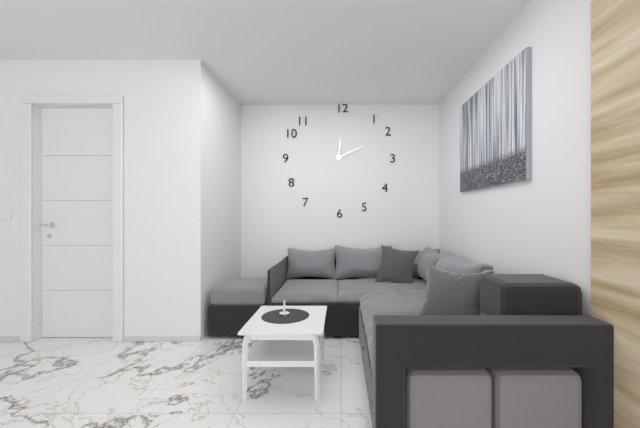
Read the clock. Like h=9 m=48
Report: h=12 m=11
